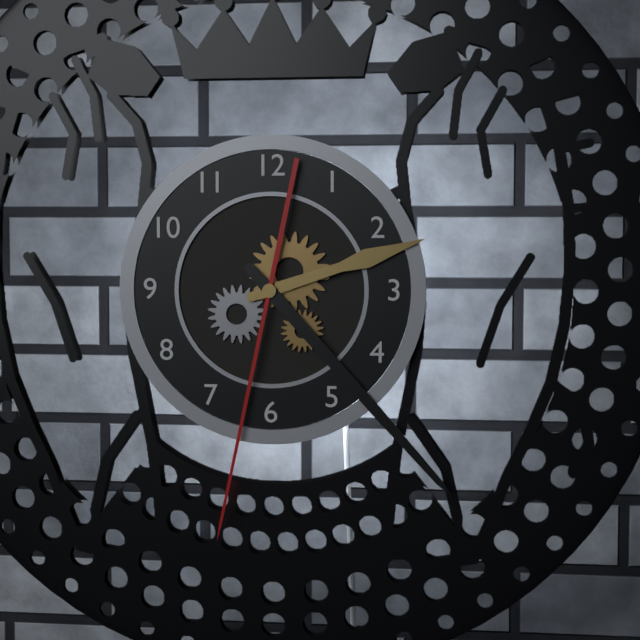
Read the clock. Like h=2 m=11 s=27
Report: h=2 m=23 s=32
